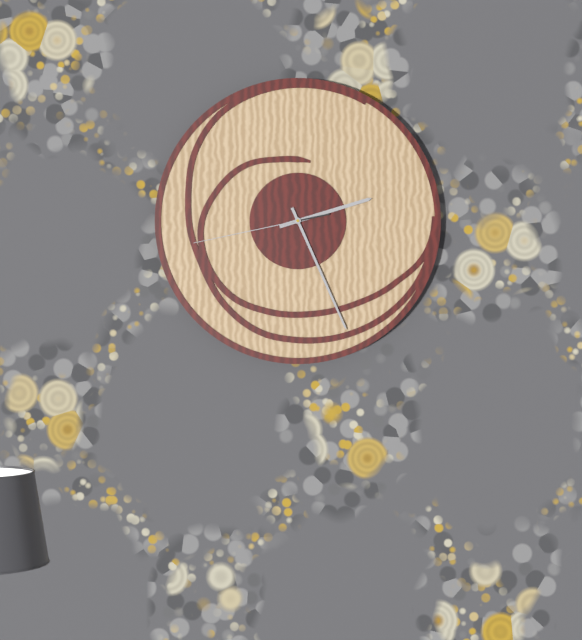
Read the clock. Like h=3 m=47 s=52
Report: h=2 m=26 s=43
